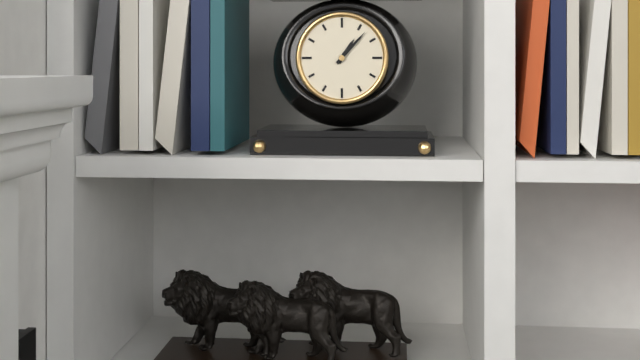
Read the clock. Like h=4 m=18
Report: h=1 m=7
